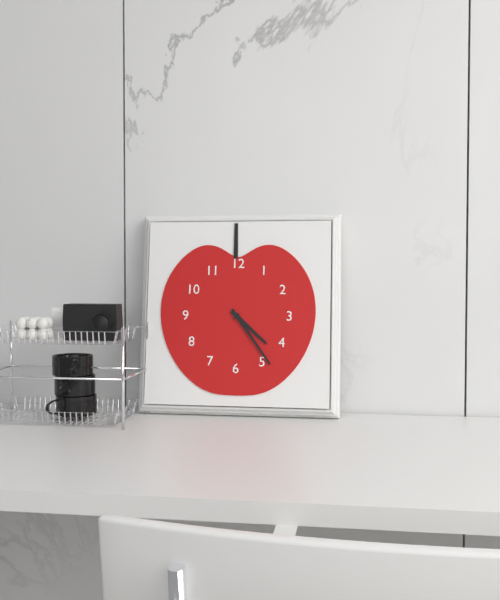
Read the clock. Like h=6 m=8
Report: h=4 m=24
